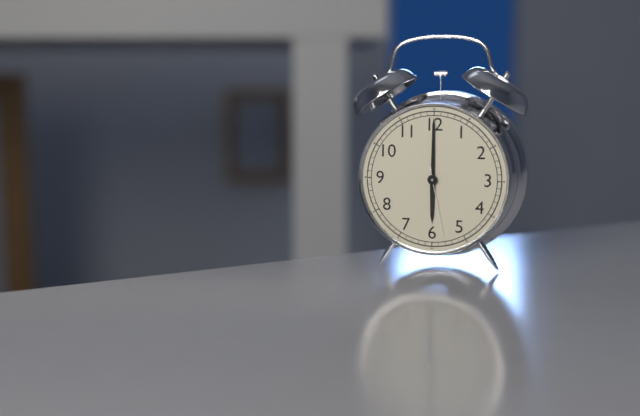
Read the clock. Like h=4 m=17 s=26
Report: h=6 m=0 s=28
